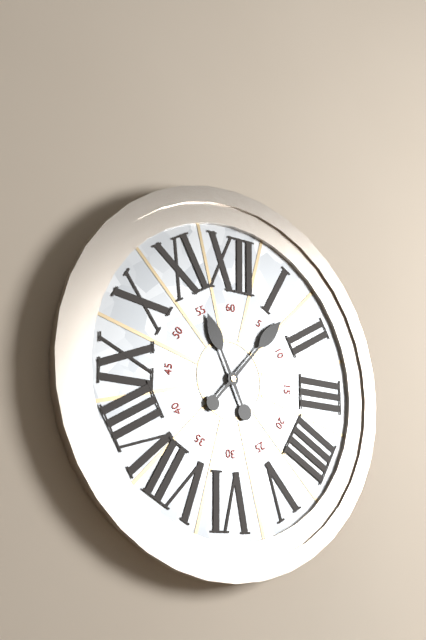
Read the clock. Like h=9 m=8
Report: h=11 m=7
